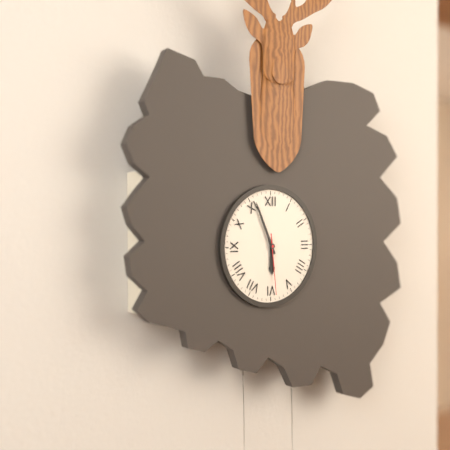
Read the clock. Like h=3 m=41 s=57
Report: h=5 m=56 s=29
